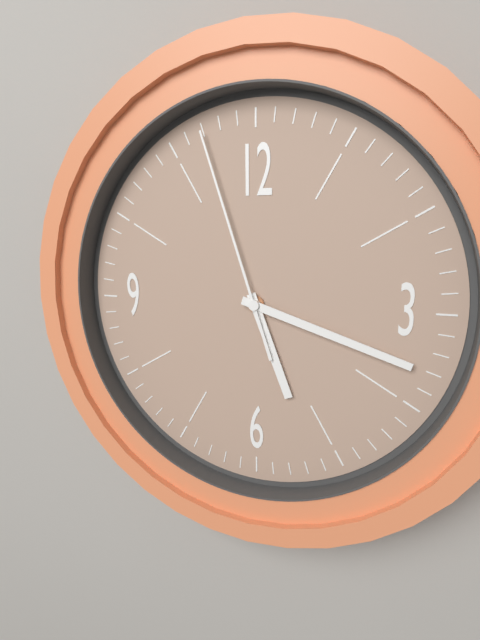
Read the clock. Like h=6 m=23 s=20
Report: h=5 m=18 s=57
